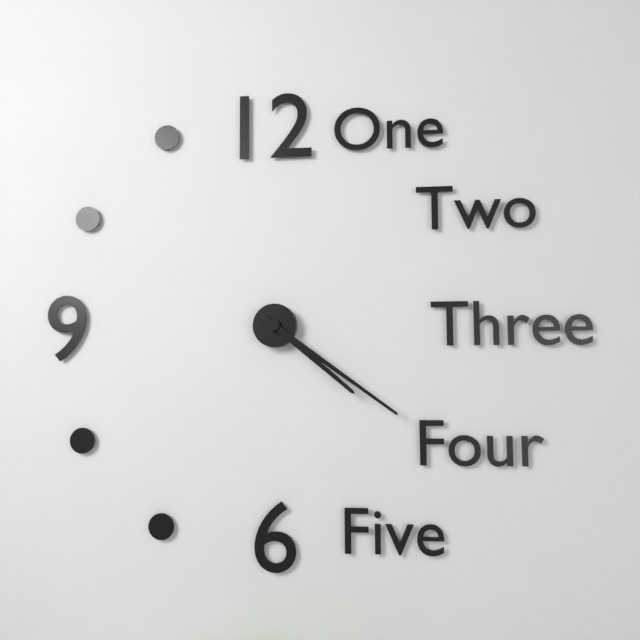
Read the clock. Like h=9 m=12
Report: h=4 m=21
